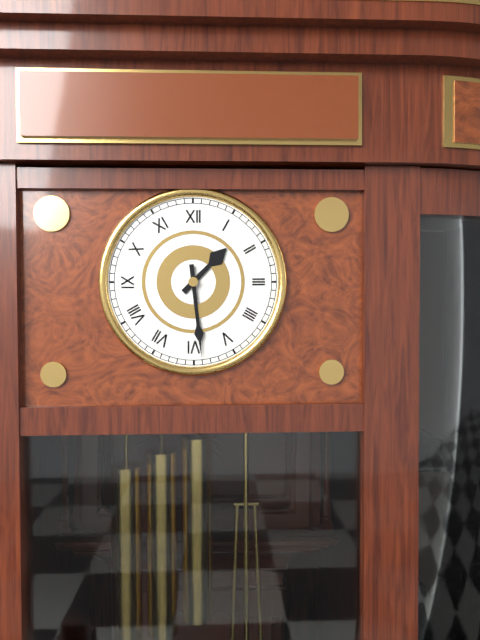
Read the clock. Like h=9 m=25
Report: h=1 m=29
